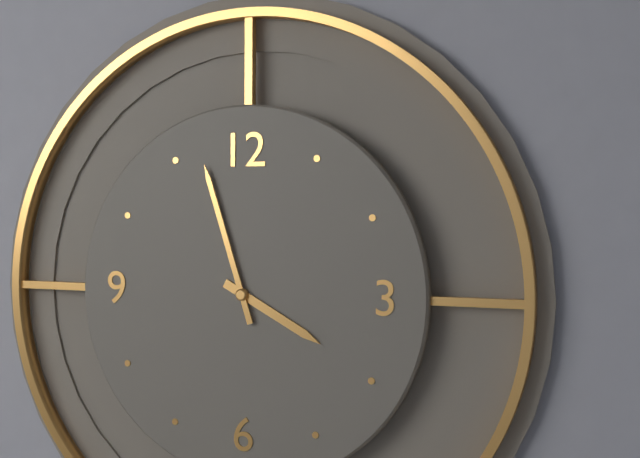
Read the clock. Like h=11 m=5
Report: h=3 m=57
